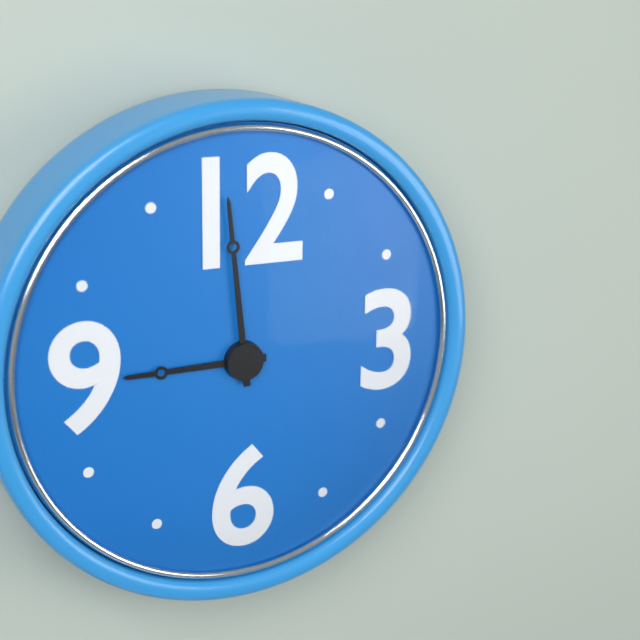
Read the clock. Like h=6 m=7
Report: h=8 m=59
